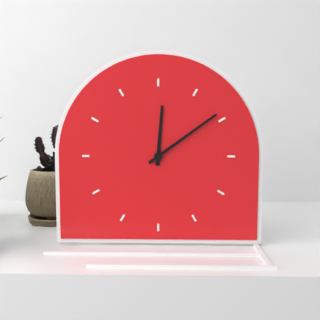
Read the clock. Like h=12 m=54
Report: h=12 m=9
